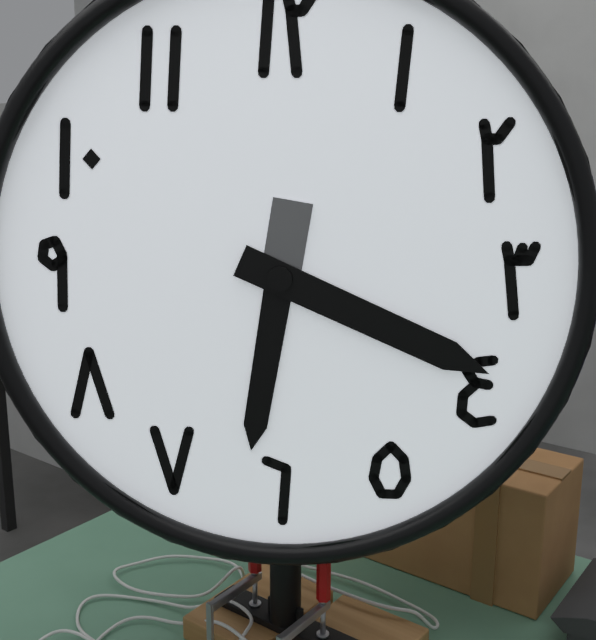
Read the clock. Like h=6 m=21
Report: h=6 m=19
